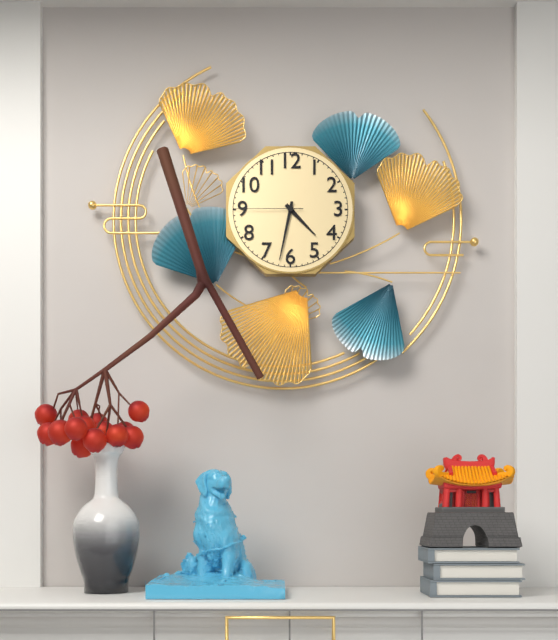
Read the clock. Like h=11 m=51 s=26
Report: h=4 m=32 s=45
